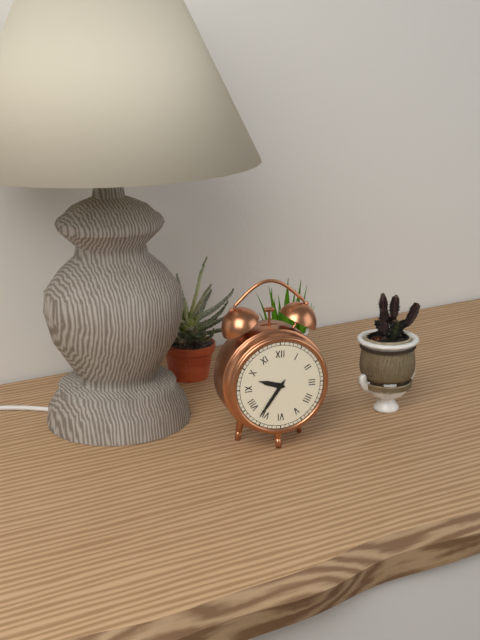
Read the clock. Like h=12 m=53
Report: h=9 m=36
